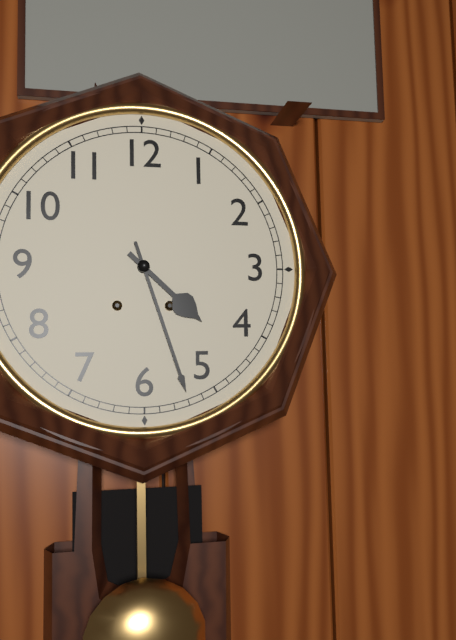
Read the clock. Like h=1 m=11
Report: h=4 m=27
